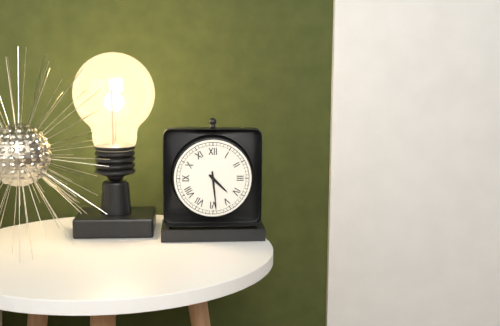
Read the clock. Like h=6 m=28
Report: h=4 m=29
